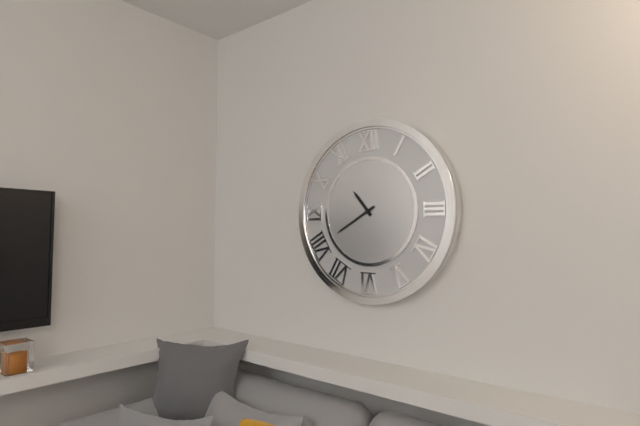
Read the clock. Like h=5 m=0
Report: h=10 m=40
